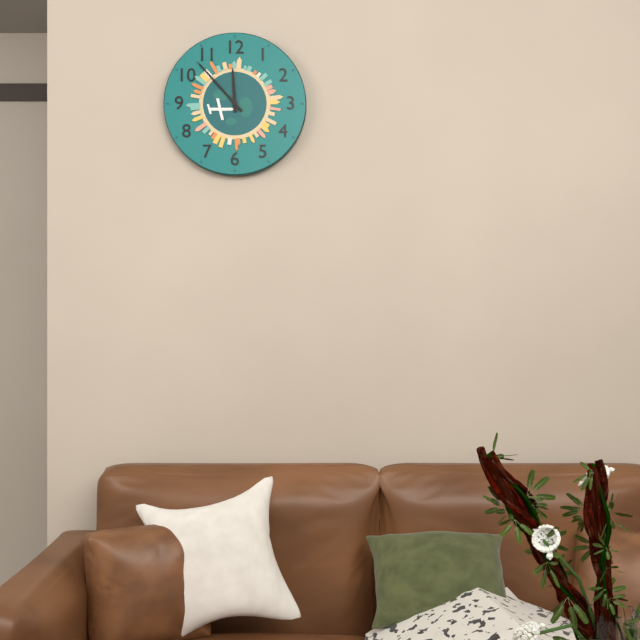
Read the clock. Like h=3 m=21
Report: h=11 m=53
